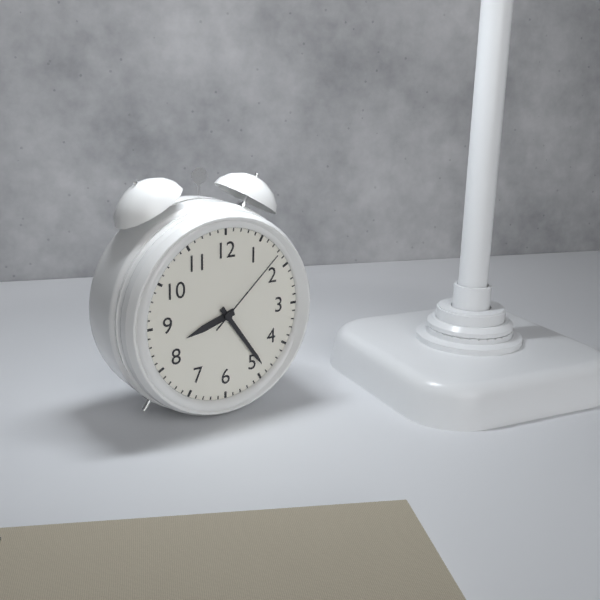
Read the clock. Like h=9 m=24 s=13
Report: h=8 m=24 s=8
